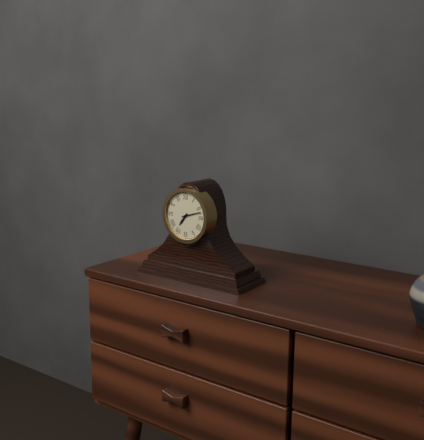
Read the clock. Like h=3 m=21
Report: h=7 m=12
